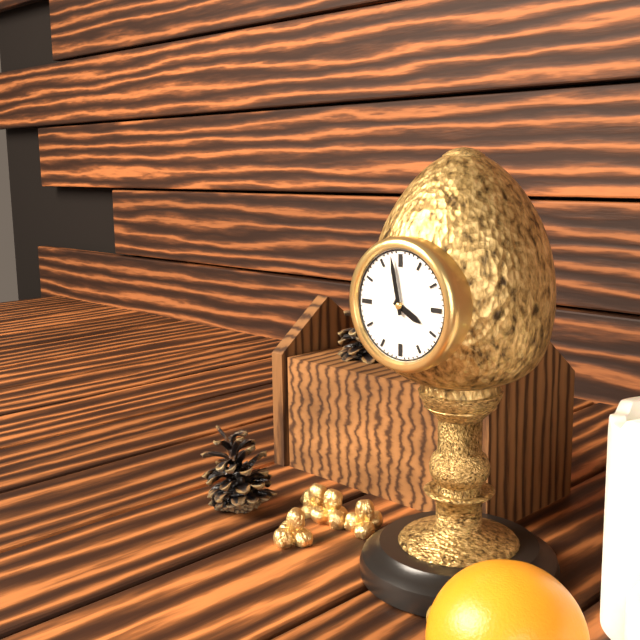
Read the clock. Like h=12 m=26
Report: h=3 m=58
